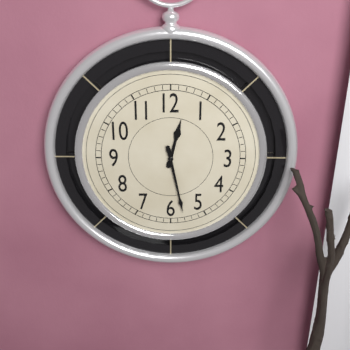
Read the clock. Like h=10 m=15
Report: h=12 m=28
